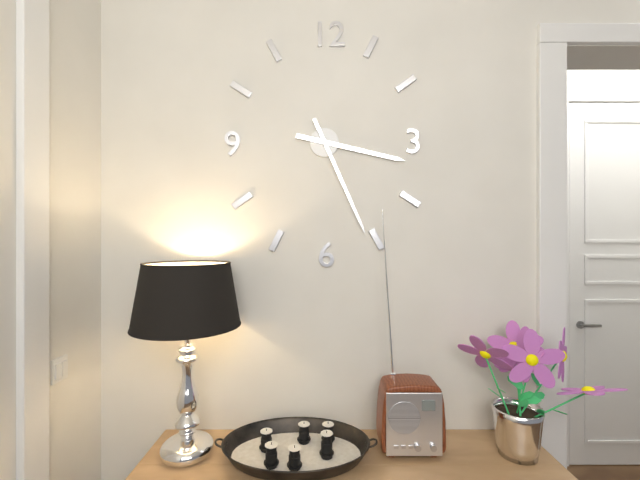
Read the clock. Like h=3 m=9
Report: h=3 m=26
